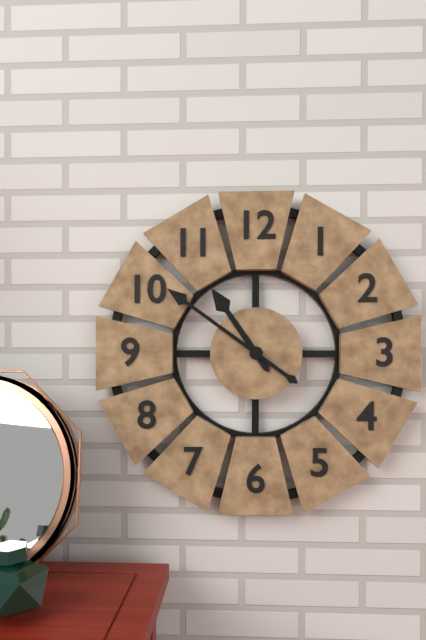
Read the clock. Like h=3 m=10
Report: h=10 m=51
